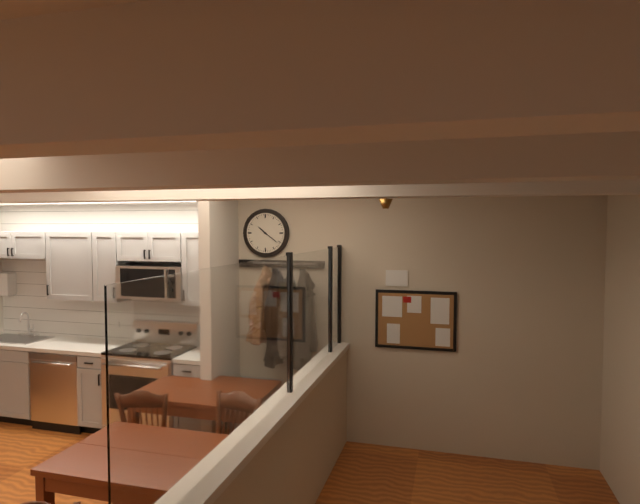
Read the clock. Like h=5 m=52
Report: h=10 m=21
